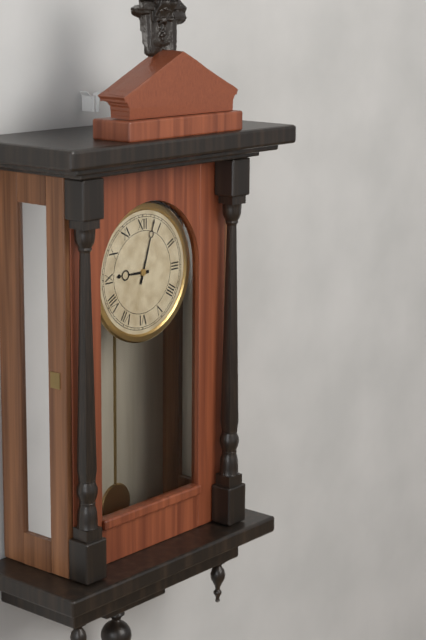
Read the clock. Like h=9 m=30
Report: h=9 m=3
